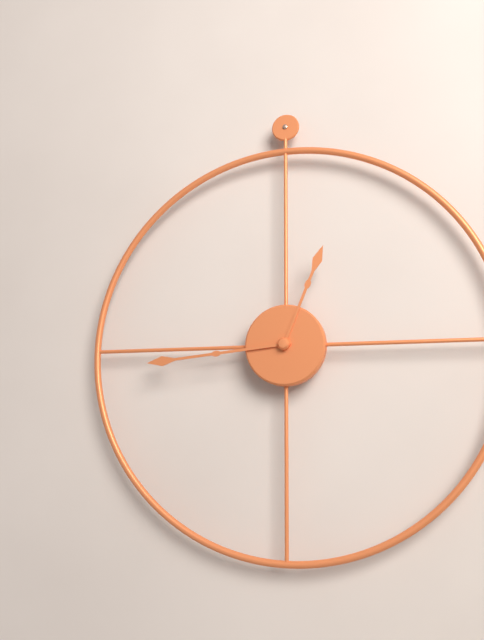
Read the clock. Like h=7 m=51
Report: h=12 m=44
